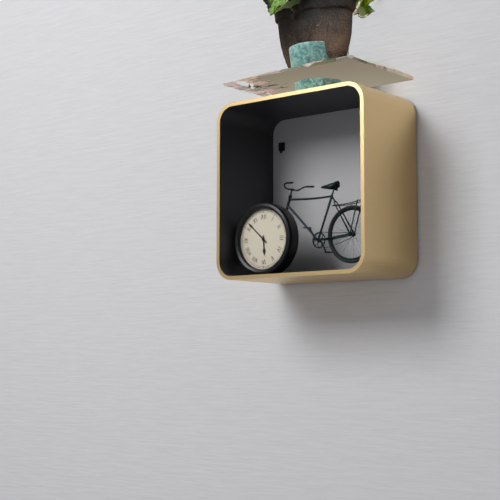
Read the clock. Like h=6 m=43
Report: h=5 m=52
